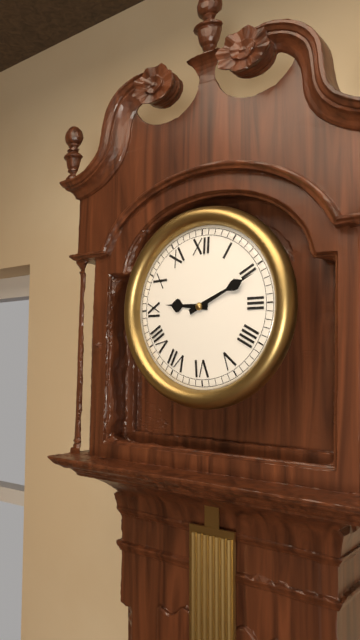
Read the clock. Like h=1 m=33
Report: h=9 m=11
